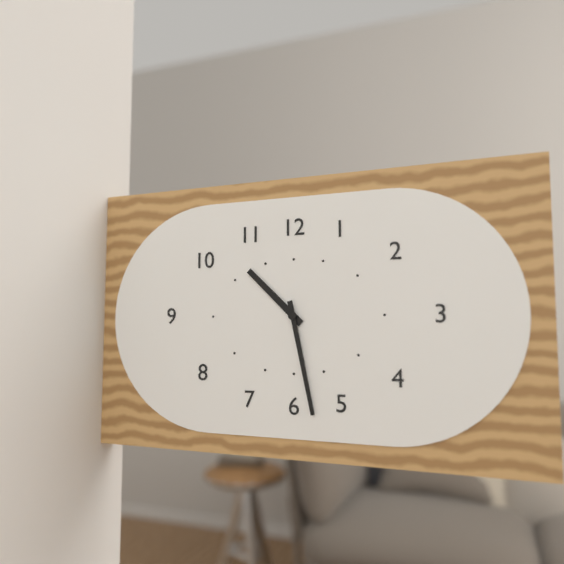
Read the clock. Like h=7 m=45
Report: h=10 m=28
